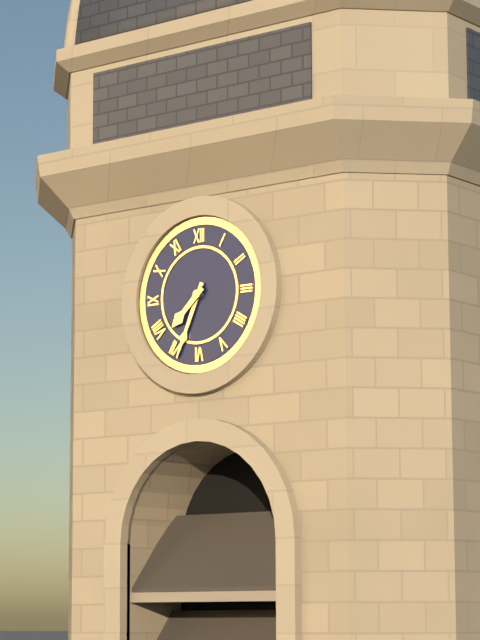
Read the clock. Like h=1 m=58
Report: h=7 m=34
